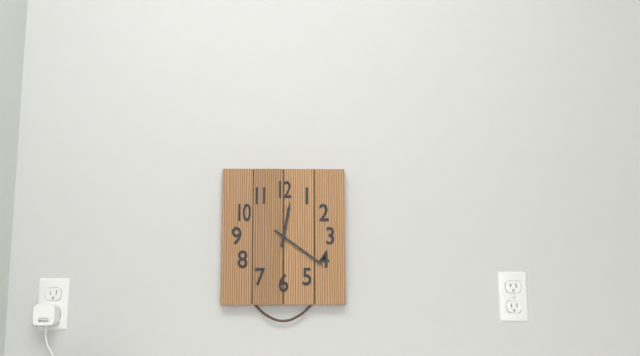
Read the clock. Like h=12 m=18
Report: h=12 m=21
